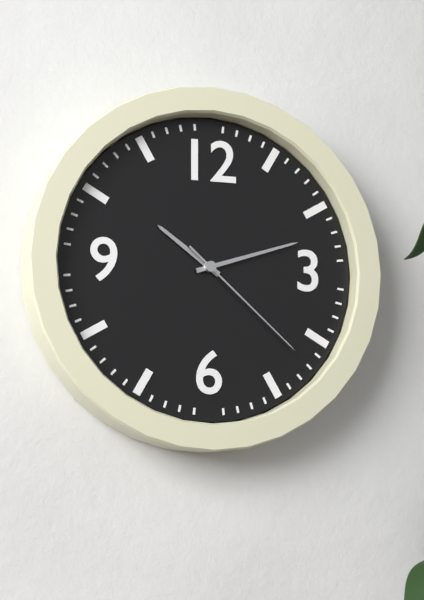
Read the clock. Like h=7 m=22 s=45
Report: h=10 m=12 s=22
